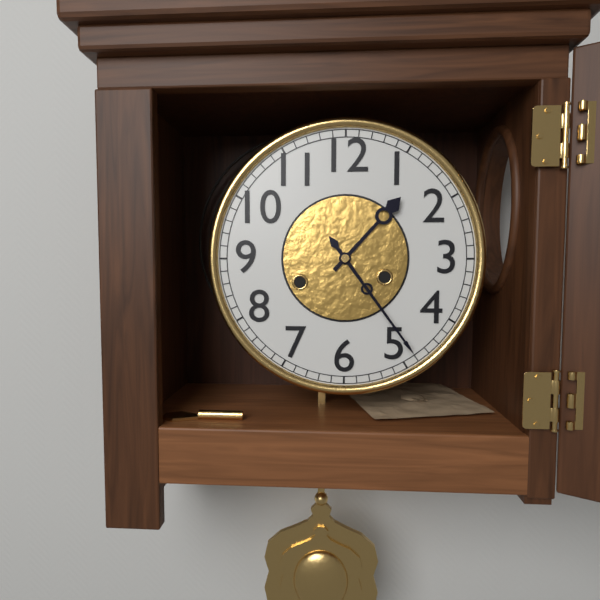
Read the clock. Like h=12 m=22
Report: h=1 m=24
